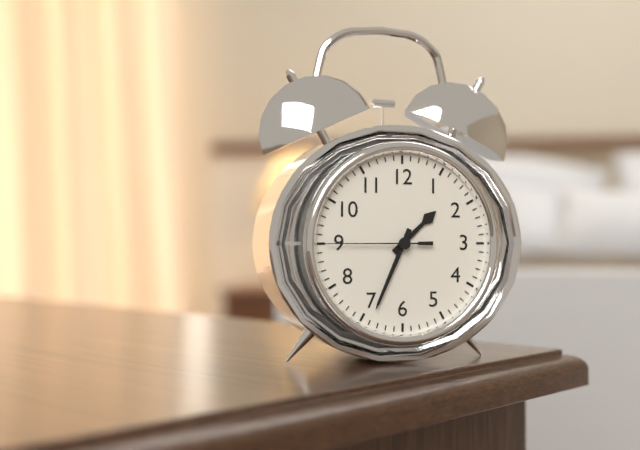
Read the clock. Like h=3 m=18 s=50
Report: h=1 m=34 s=45
